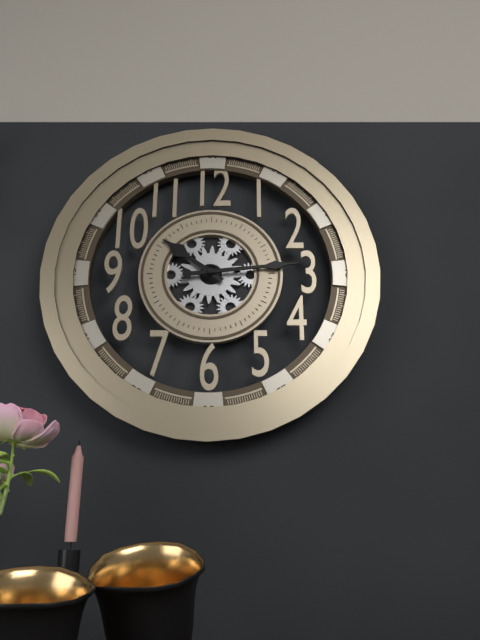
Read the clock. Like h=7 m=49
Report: h=10 m=14
